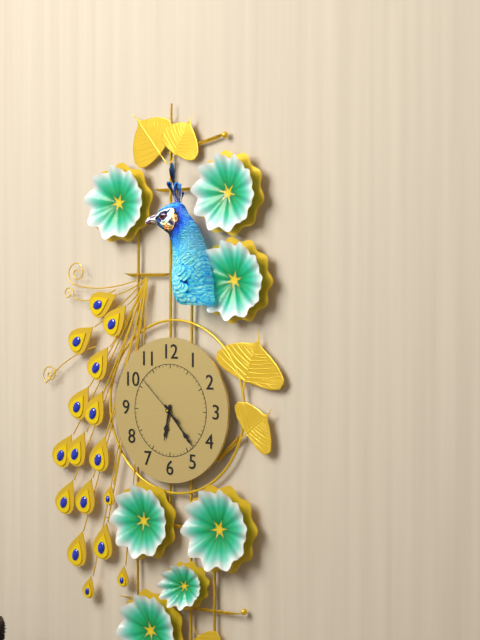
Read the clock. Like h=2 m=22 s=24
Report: h=6 m=23 s=52
